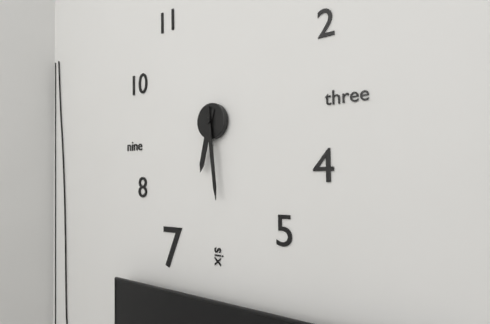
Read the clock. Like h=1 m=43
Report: h=6 m=29
